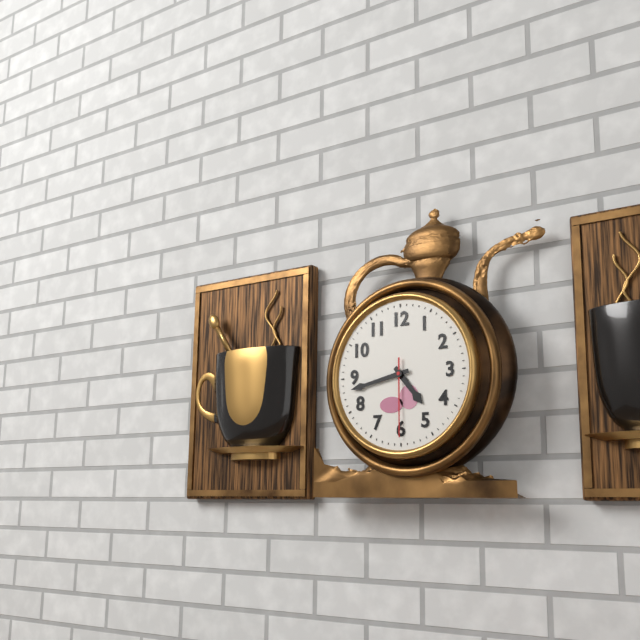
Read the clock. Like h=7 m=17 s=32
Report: h=4 m=43 s=30
